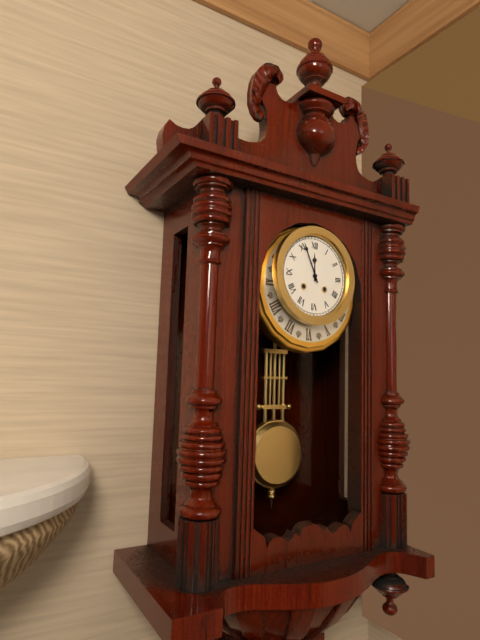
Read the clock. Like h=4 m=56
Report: h=11 m=56
